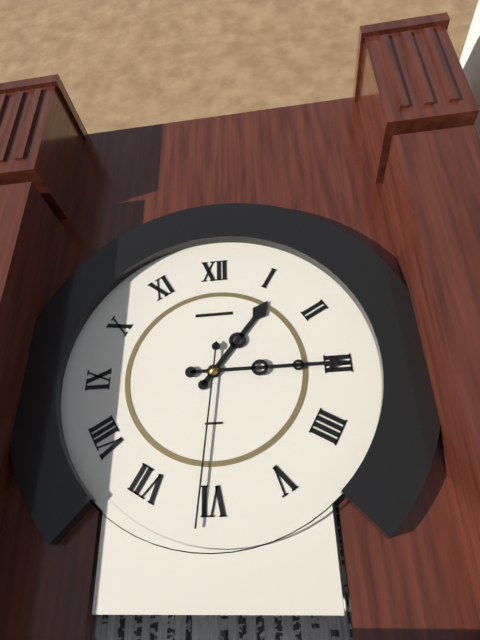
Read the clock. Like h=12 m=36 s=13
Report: h=1 m=15 s=31
